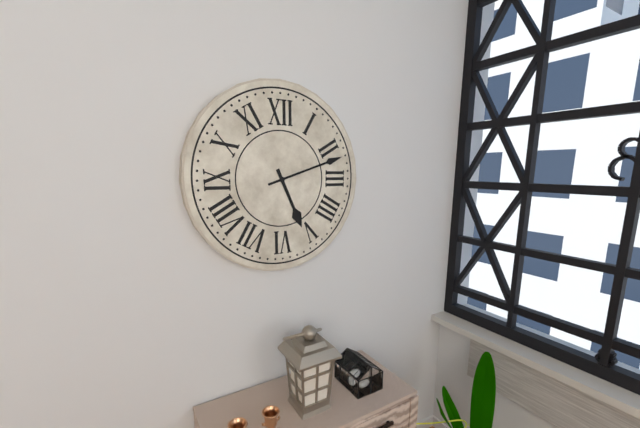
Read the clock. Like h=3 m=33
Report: h=5 m=12
